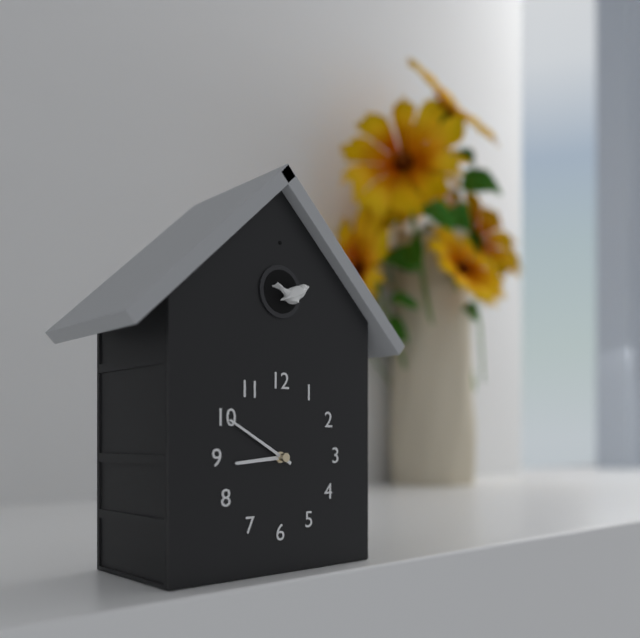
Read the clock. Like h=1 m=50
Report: h=8 m=50
